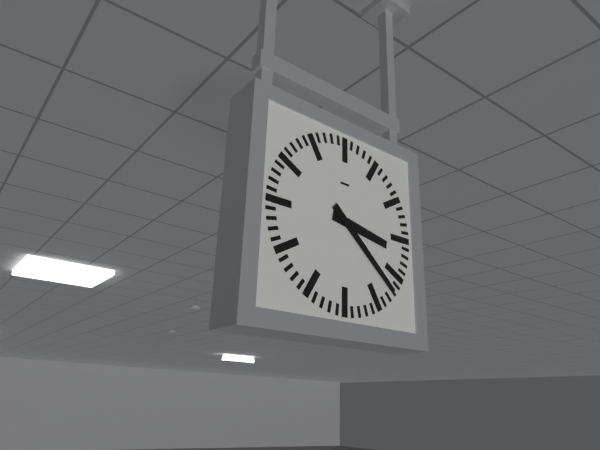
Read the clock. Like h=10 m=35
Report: h=3 m=22
